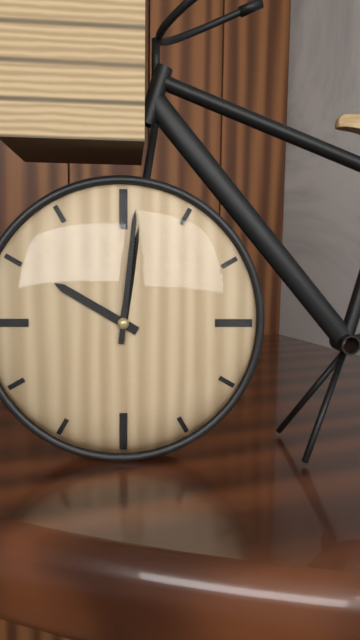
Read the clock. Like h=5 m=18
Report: h=10 m=1
